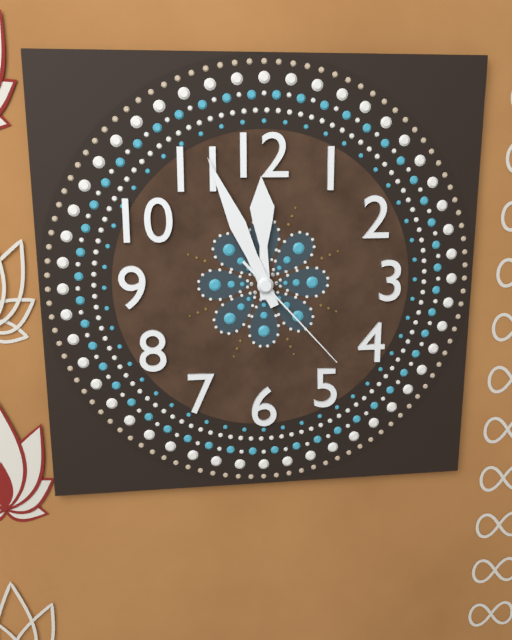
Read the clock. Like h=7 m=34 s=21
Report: h=11 m=56 s=23
